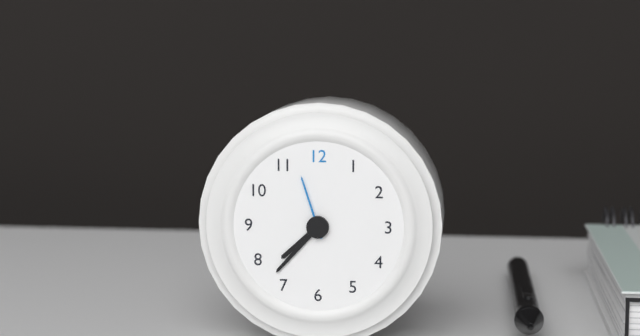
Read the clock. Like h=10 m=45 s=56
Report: h=7 m=37 s=57
